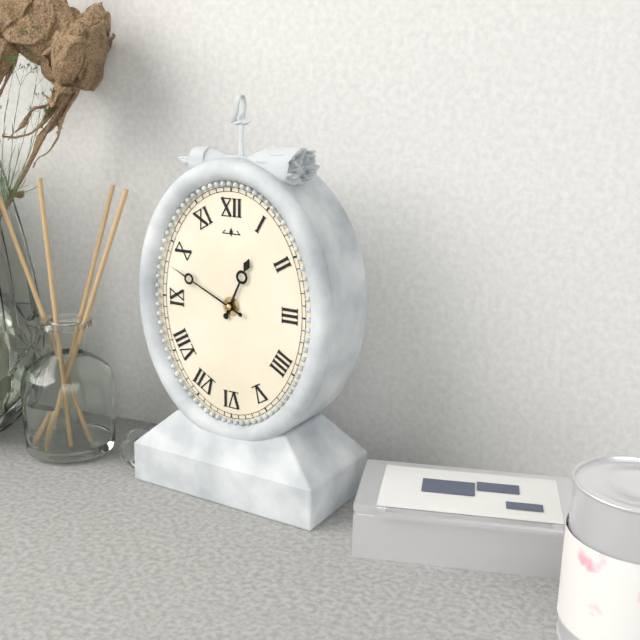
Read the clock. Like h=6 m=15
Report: h=12 m=49
